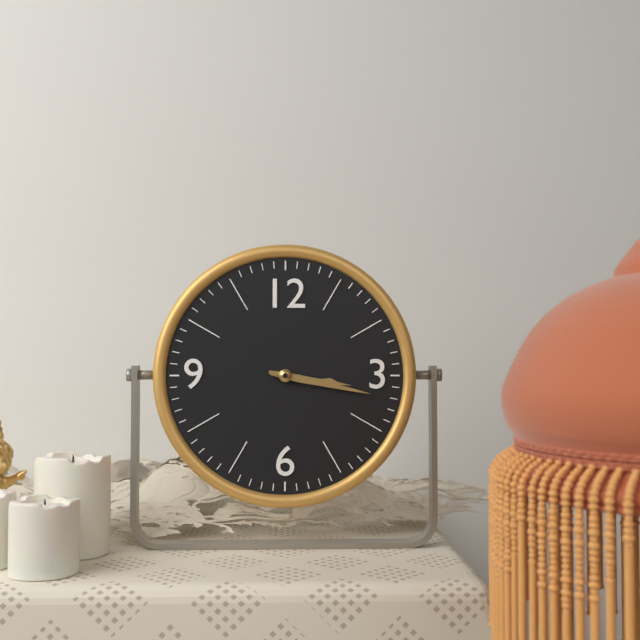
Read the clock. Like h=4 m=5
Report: h=3 m=17
